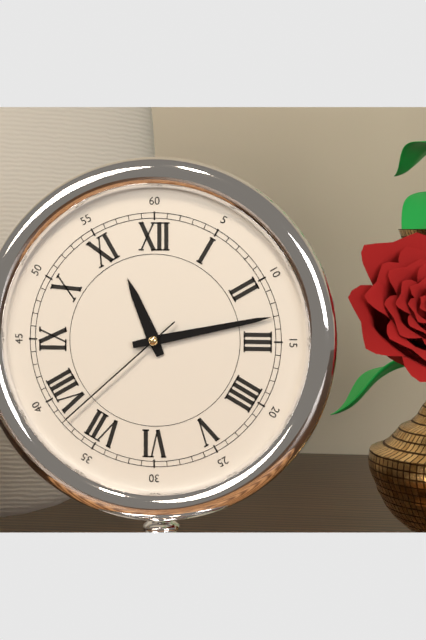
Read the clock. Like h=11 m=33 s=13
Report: h=11 m=13 s=38
